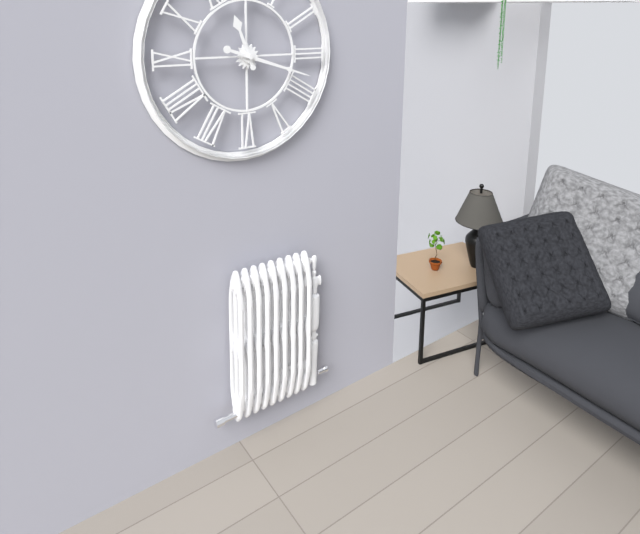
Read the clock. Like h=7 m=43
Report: h=11 m=18
